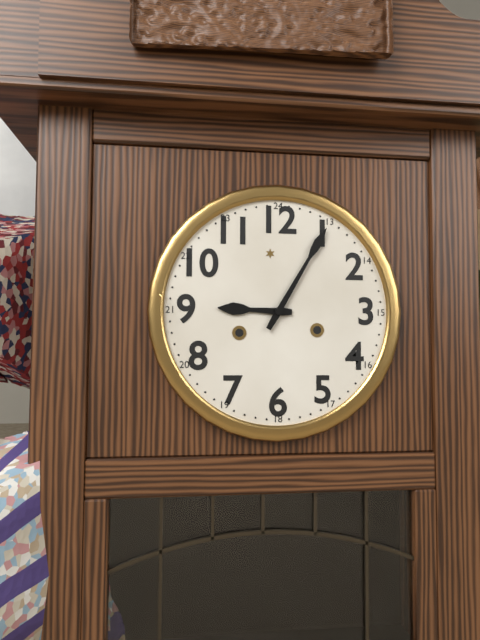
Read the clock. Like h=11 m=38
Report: h=9 m=5
